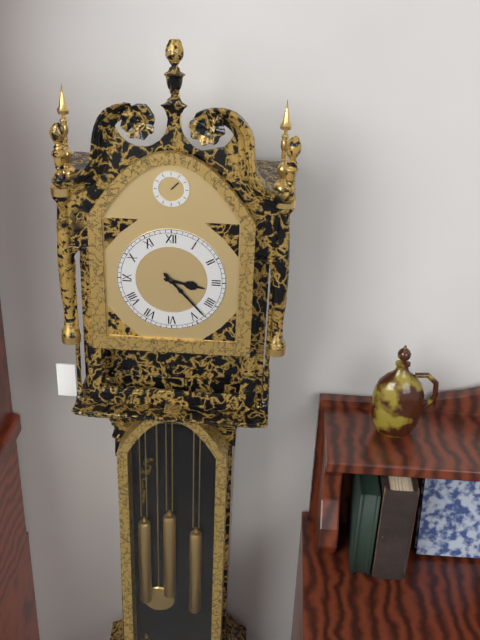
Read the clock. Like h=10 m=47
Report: h=3 m=23
